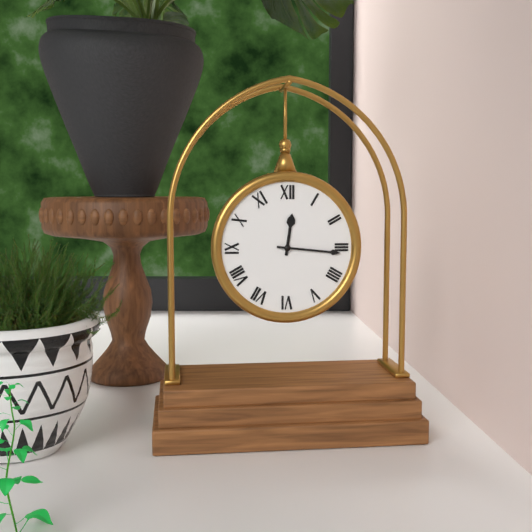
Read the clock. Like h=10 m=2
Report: h=12 m=16
